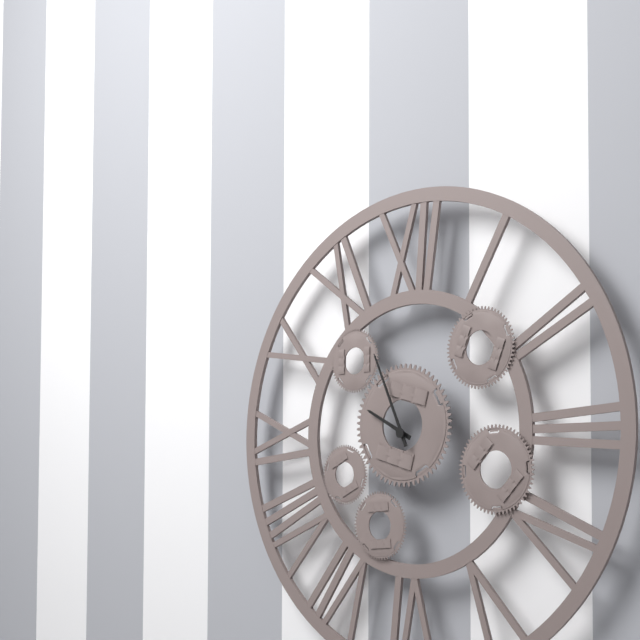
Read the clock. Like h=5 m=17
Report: h=9 m=56
